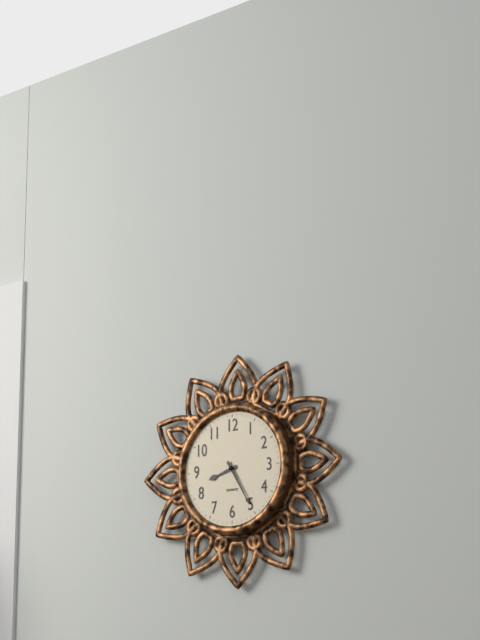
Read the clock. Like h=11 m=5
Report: h=8 m=25
